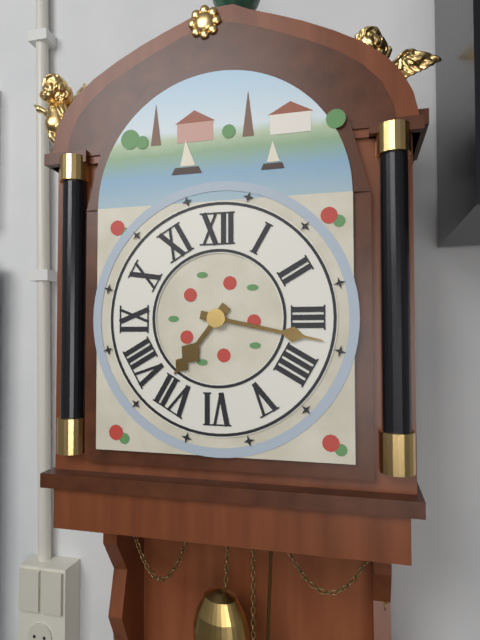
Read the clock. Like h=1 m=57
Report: h=7 m=17
